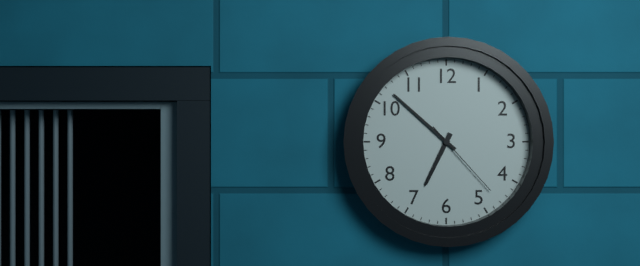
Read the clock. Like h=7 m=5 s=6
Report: h=6 m=52 s=23
